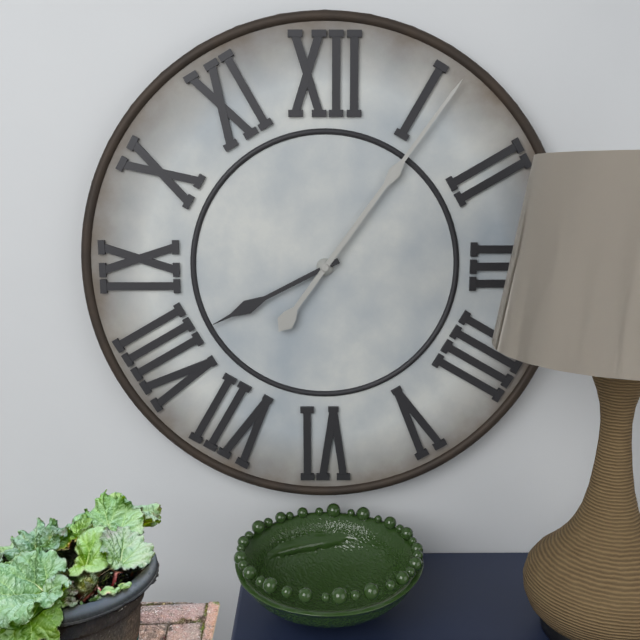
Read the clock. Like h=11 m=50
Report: h=8 m=6
